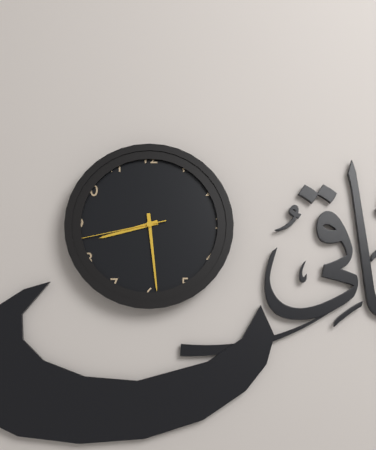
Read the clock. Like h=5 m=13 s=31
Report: h=8 m=29 s=43
